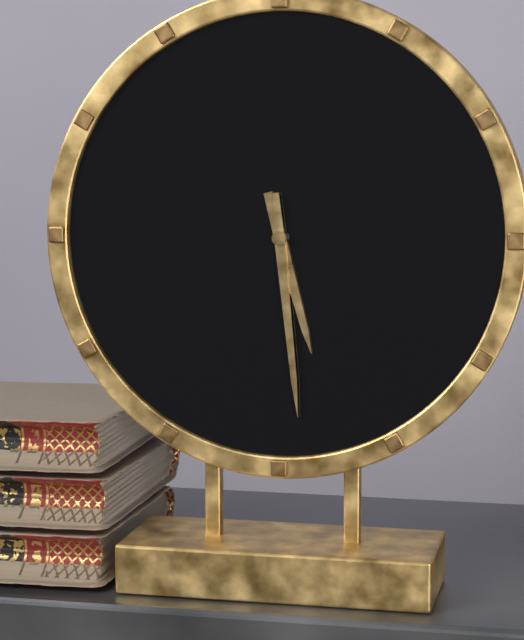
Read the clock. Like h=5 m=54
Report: h=5 m=29
